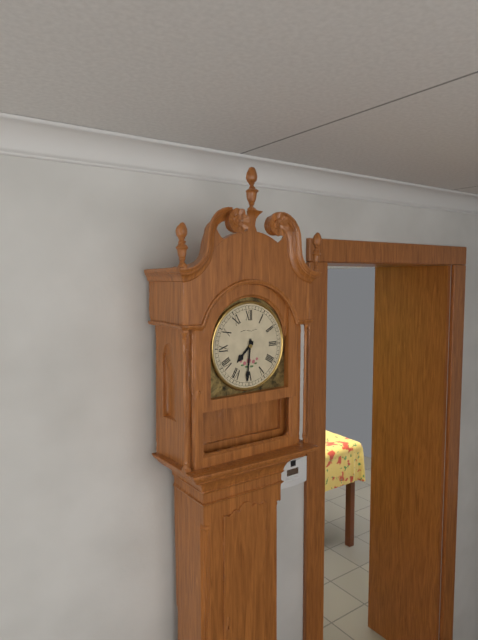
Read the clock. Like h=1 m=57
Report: h=7 m=31
